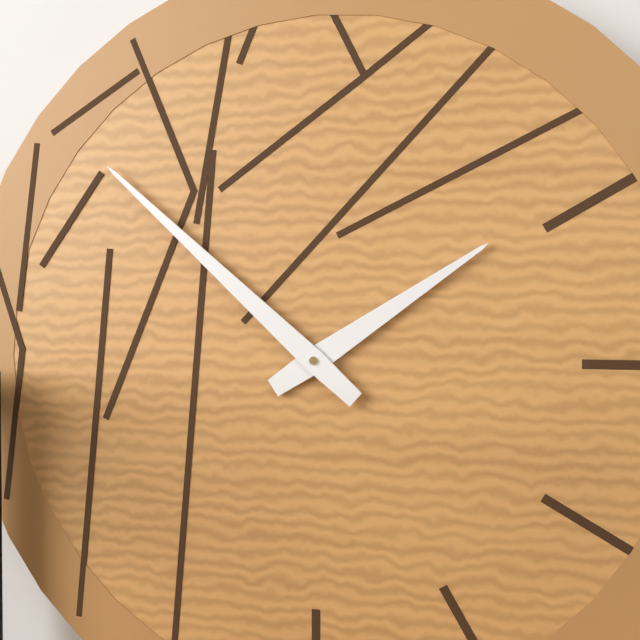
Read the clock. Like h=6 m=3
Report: h=1 m=52
